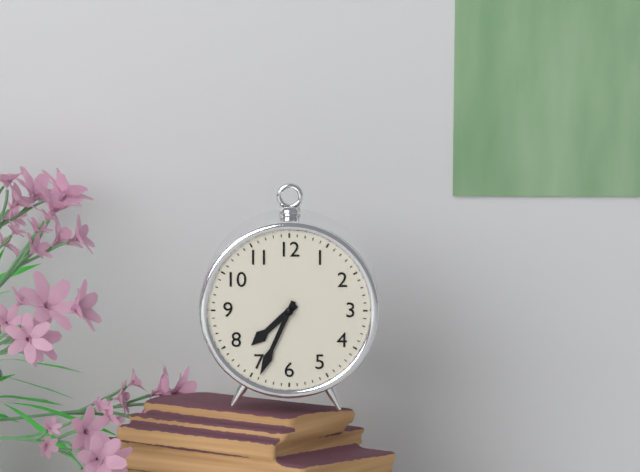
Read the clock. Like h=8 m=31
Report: h=7 m=34
